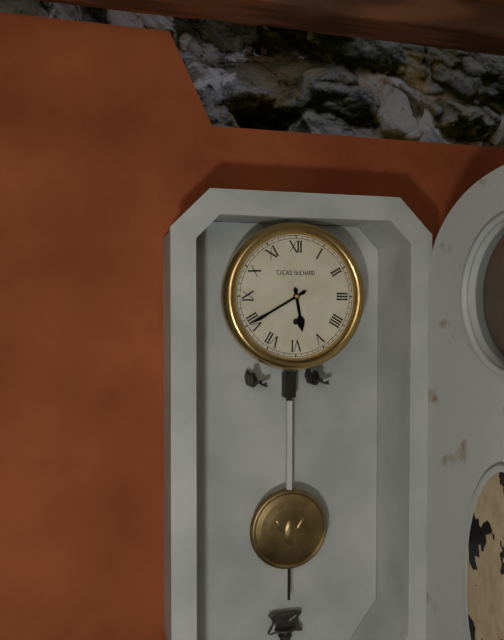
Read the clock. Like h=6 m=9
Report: h=5 m=40
